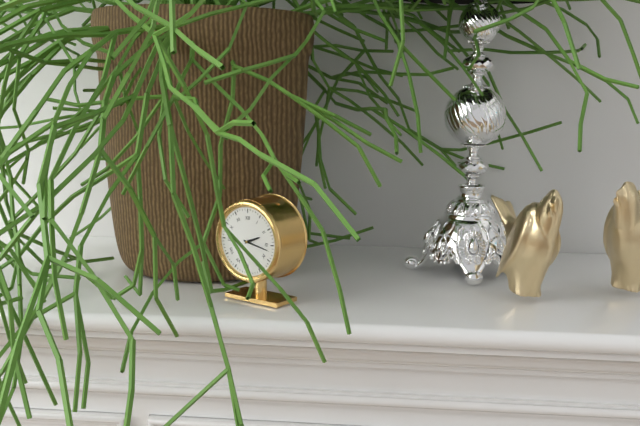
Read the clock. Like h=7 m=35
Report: h=2 m=17
